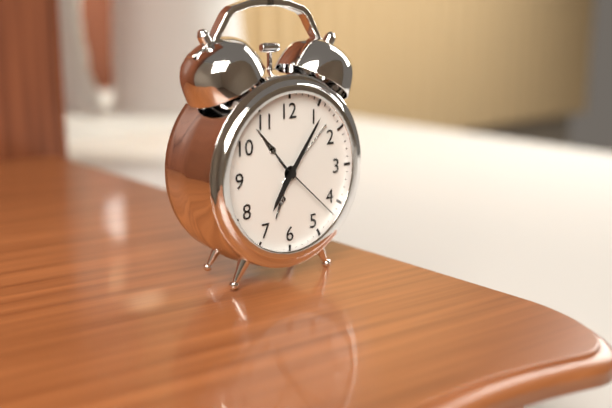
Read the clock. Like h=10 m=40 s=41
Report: h=7 m=6 s=22
